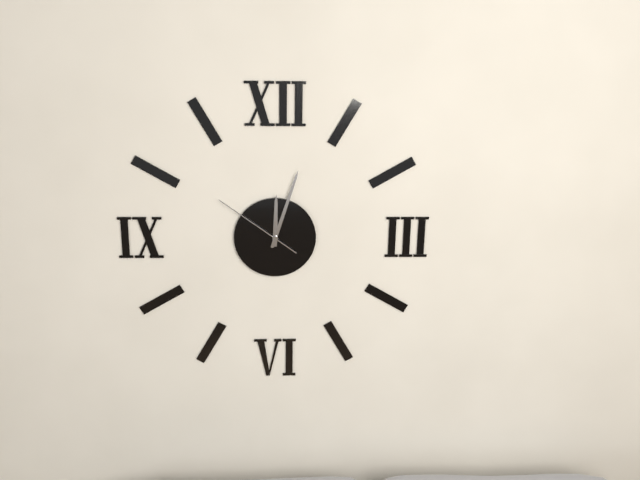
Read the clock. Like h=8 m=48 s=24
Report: h=12 m=3 s=51
